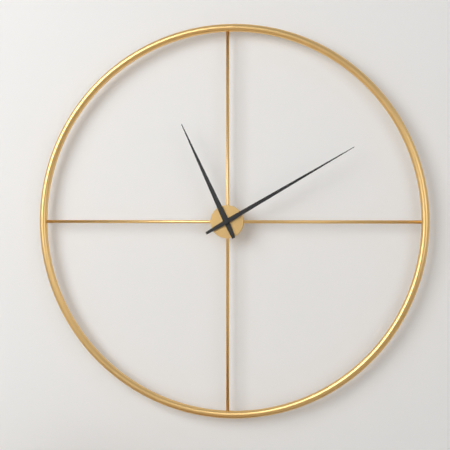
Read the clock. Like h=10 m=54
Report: h=11 m=10
